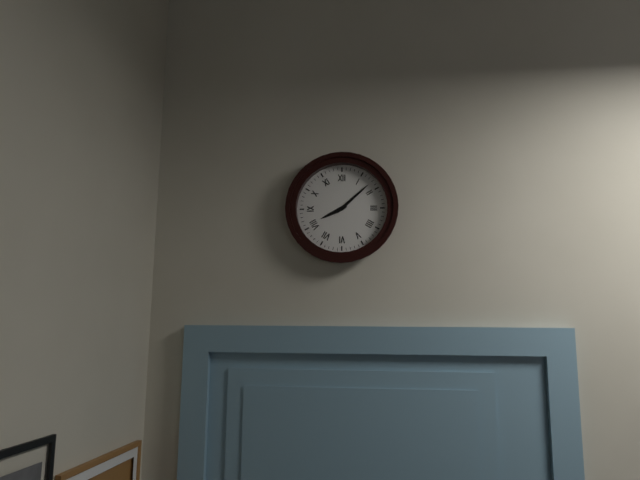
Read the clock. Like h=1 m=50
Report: h=8 m=8
